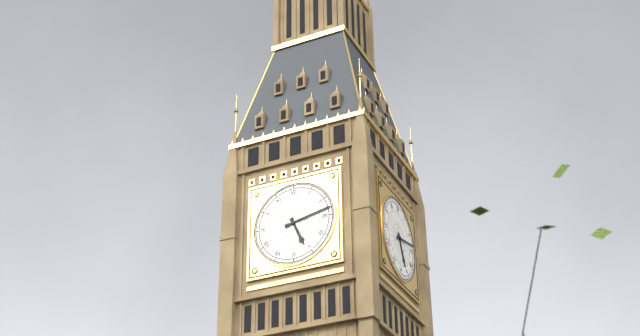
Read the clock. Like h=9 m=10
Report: h=5 m=13
